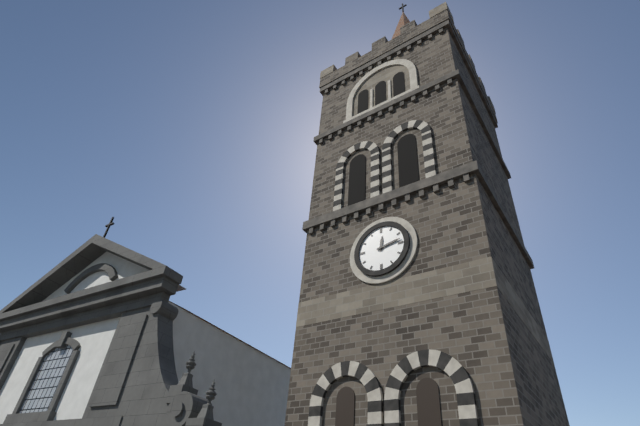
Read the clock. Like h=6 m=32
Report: h=12 m=13
